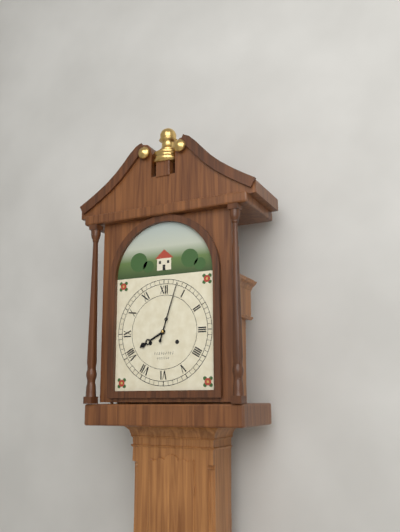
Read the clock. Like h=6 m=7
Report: h=8 m=3
